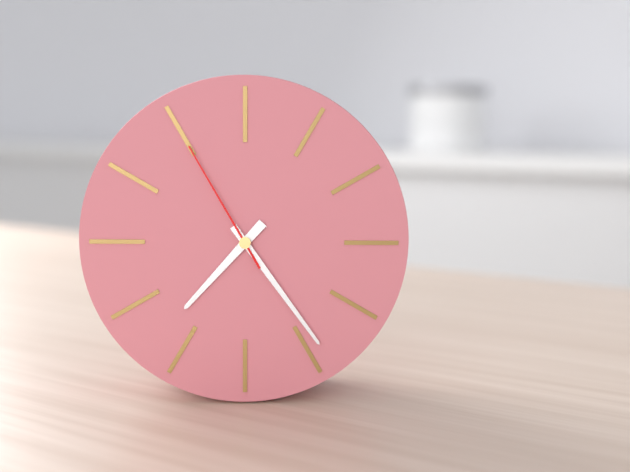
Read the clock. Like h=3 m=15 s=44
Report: h=7 m=24 s=55
